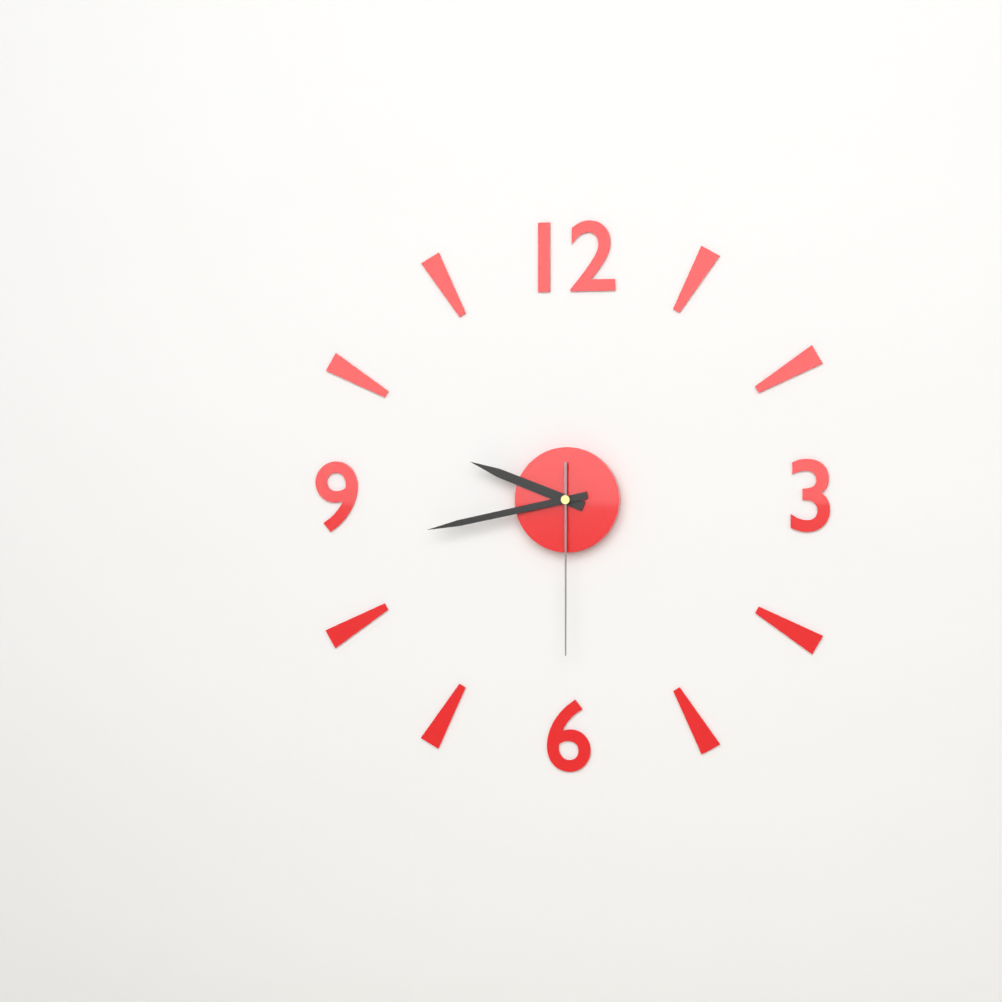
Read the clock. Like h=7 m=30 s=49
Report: h=9 m=43 s=30
